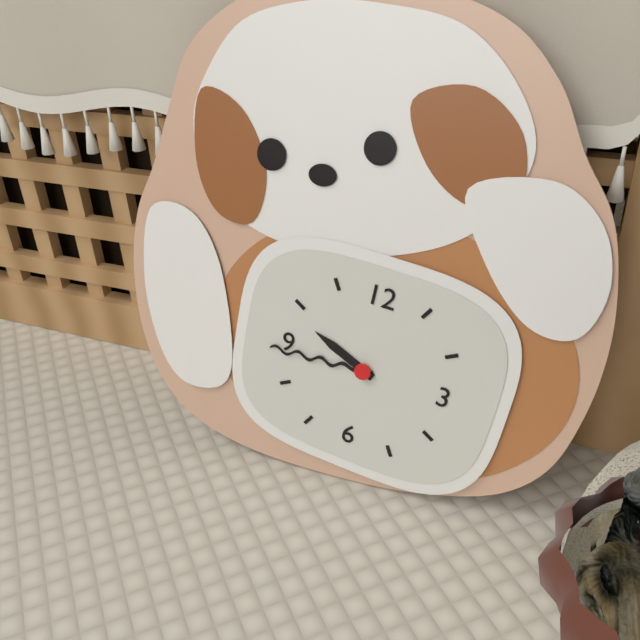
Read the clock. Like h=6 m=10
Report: h=9 m=44
